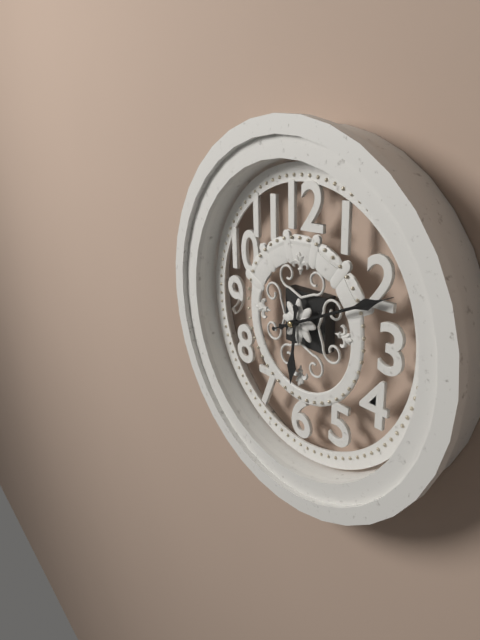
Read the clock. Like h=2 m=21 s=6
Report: h=6 m=11 s=11
